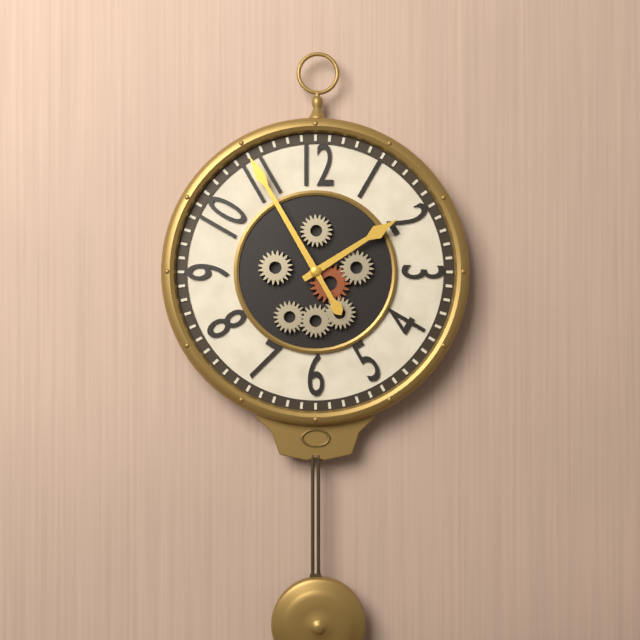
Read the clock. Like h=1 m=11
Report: h=1 m=55
